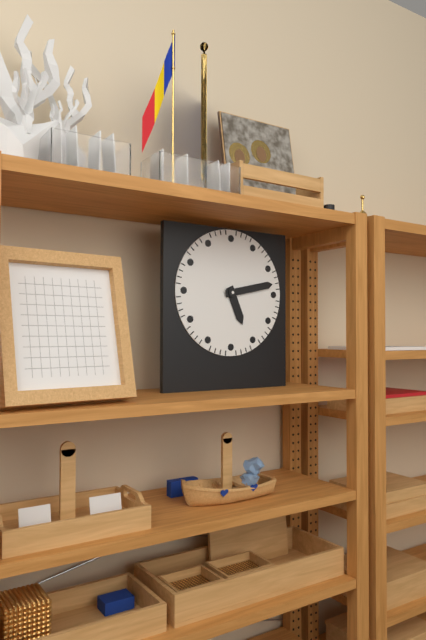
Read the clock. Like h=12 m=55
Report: h=5 m=13
